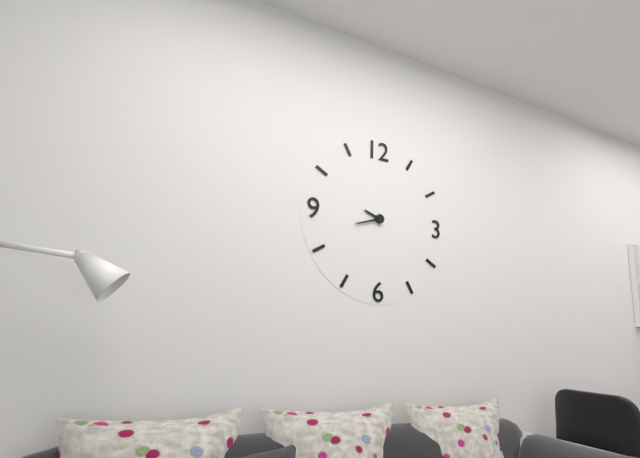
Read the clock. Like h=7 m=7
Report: h=9 m=42
